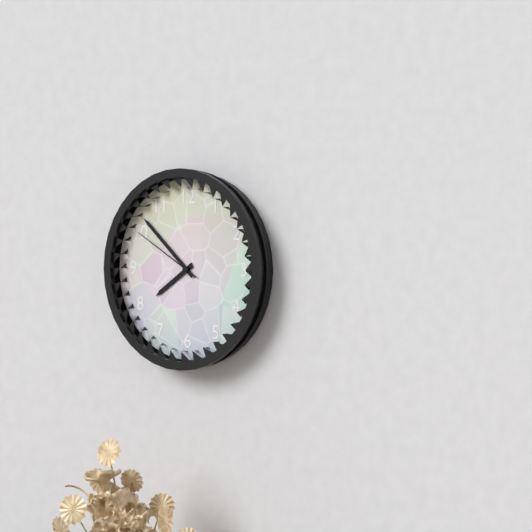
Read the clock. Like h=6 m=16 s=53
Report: h=7 m=52 s=50
